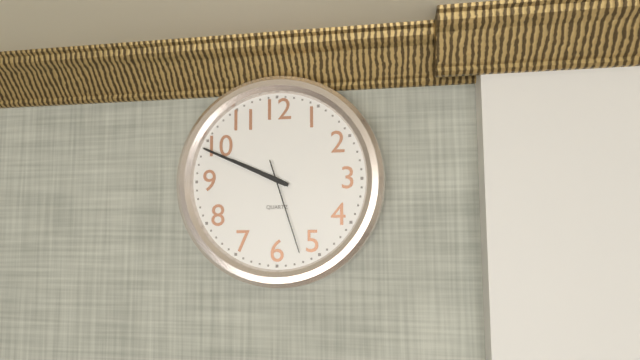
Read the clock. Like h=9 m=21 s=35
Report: h=9 m=49 s=27
